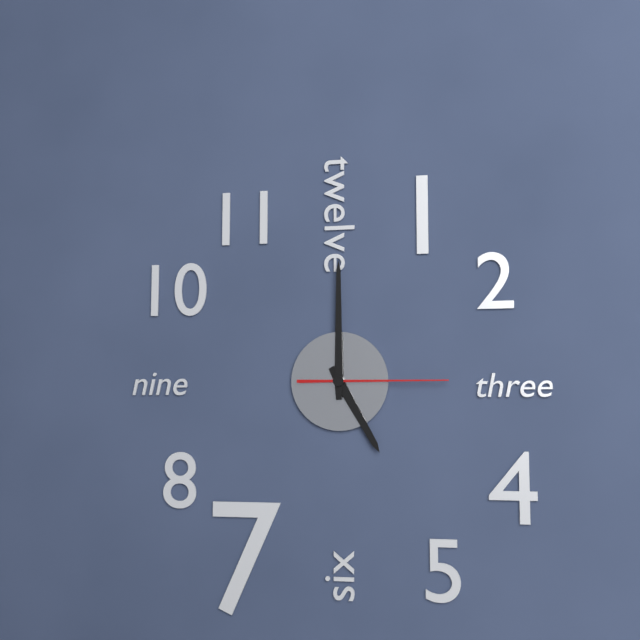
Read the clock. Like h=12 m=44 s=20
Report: h=5 m=0 s=15
